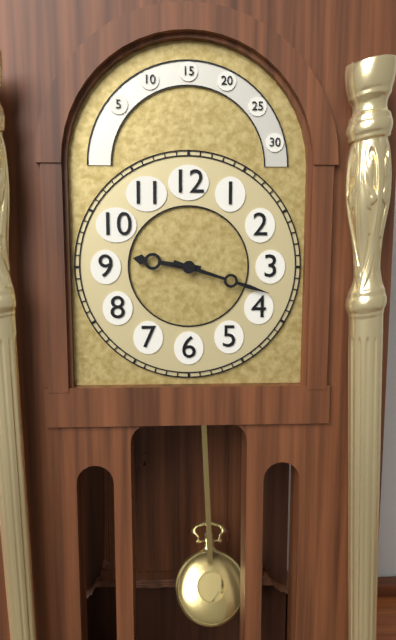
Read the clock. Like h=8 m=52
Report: h=9 m=18
